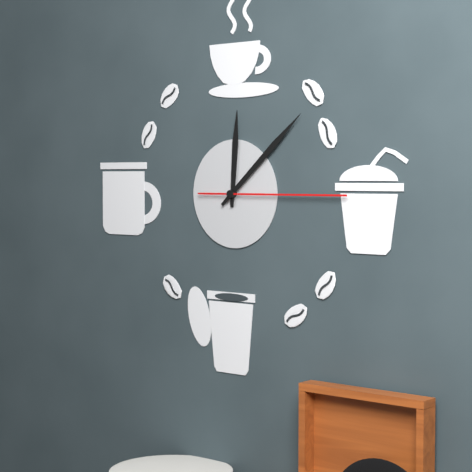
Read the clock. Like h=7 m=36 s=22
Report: h=12 m=8 s=15
